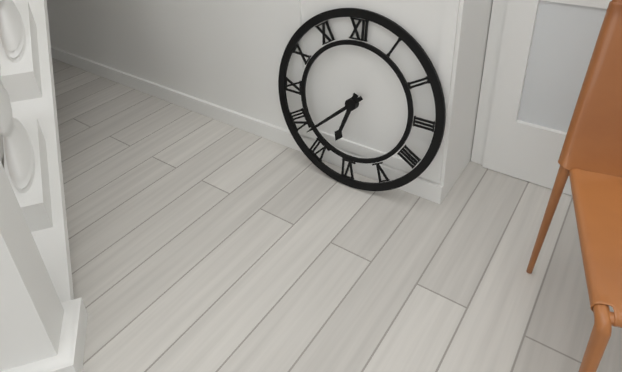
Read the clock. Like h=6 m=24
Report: h=6 m=38
